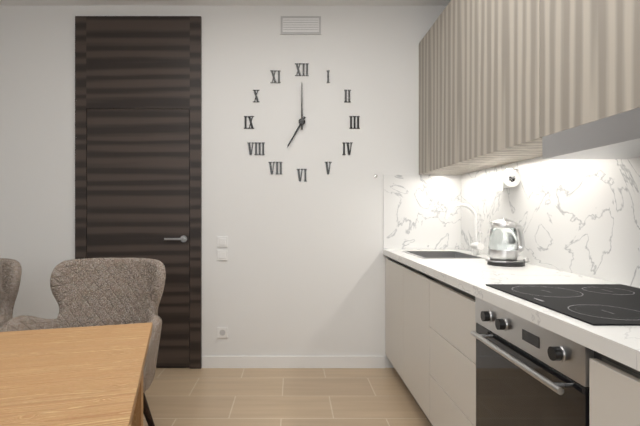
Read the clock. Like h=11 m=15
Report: h=7 m=0
